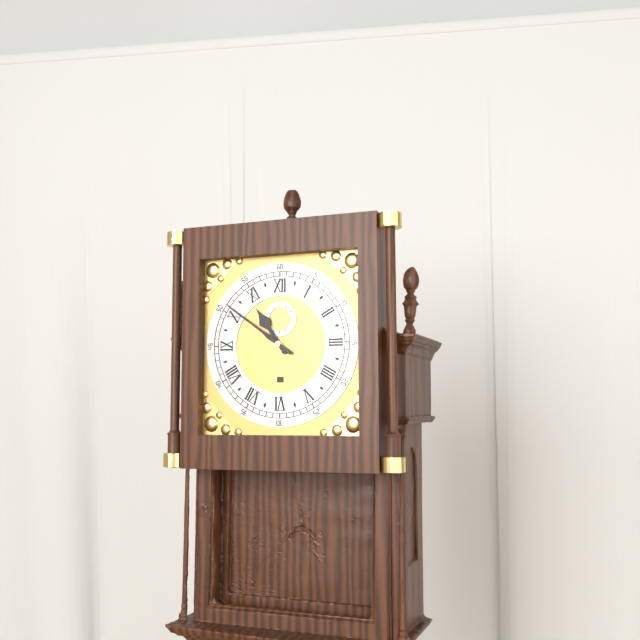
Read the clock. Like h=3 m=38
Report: h=10 m=51
